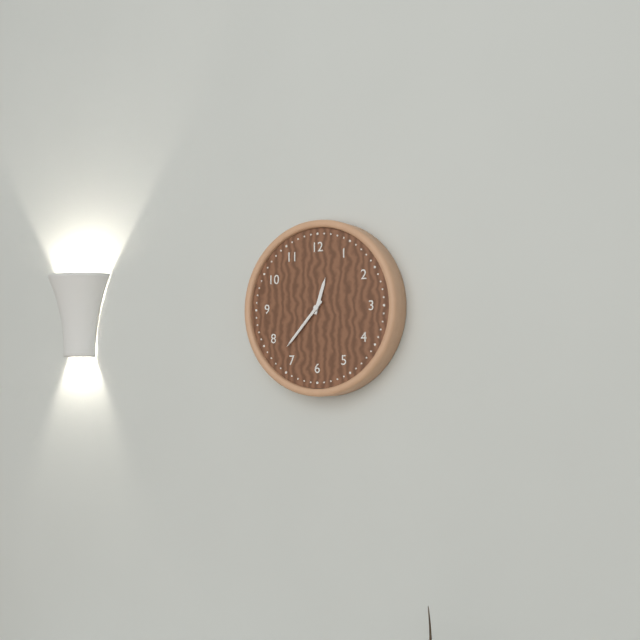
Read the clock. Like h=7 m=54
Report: h=12 m=37
